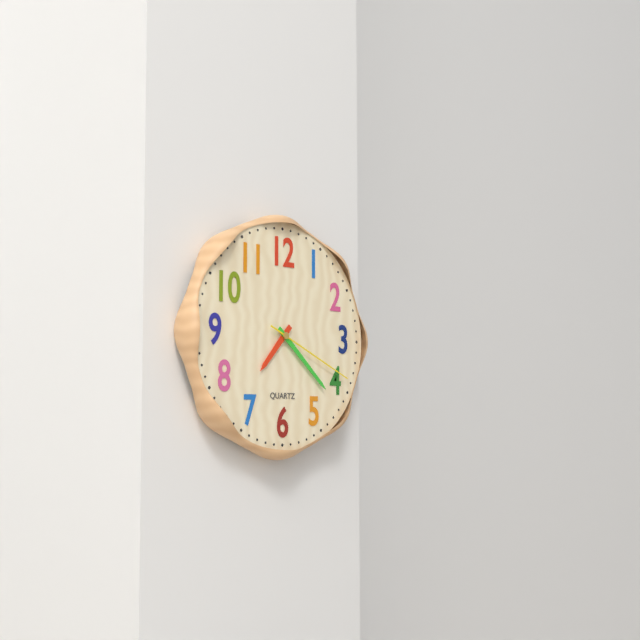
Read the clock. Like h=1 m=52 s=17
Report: h=7 m=22 s=19
